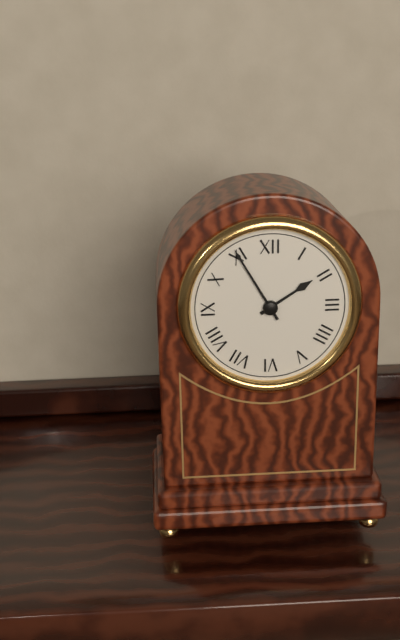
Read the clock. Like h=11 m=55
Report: h=1 m=55
